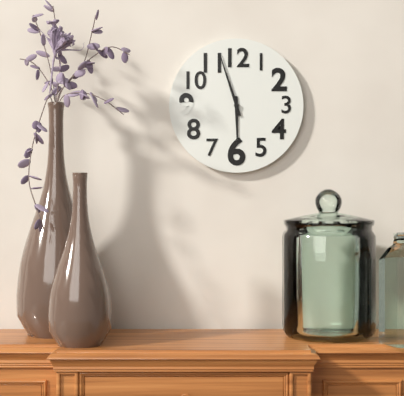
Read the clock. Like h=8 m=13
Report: h=5 m=57
